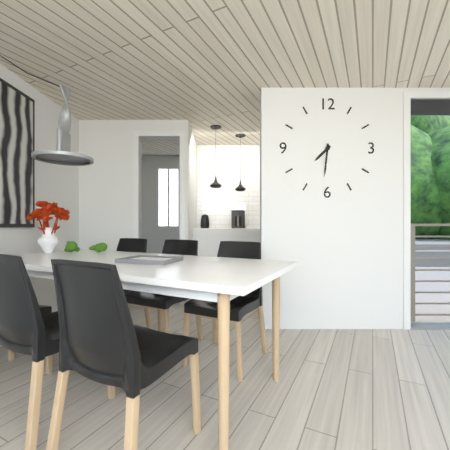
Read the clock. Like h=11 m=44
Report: h=7 m=31
